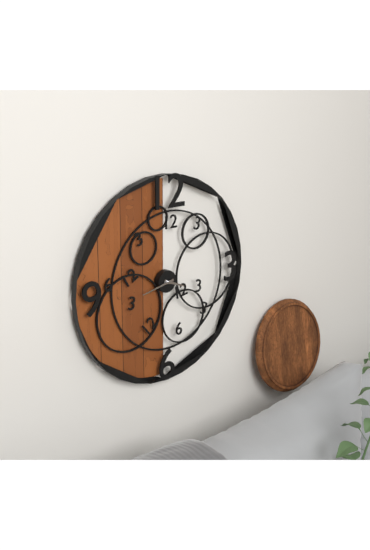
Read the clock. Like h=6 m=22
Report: h=3 m=43
